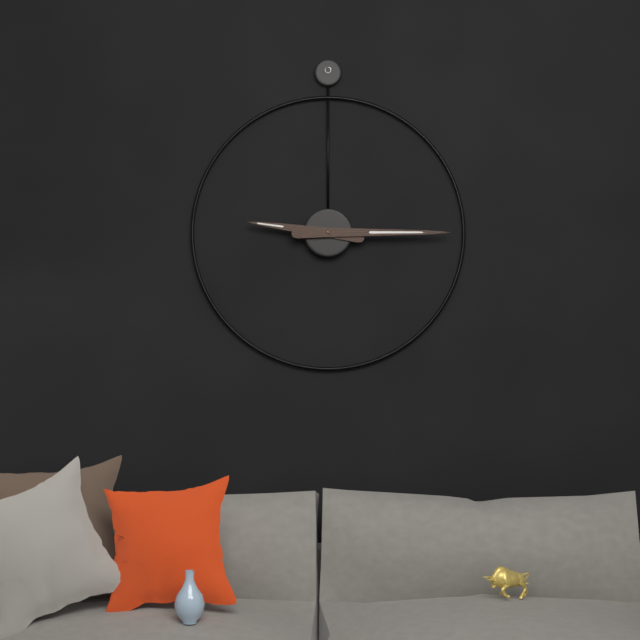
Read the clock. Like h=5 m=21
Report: h=9 m=15
